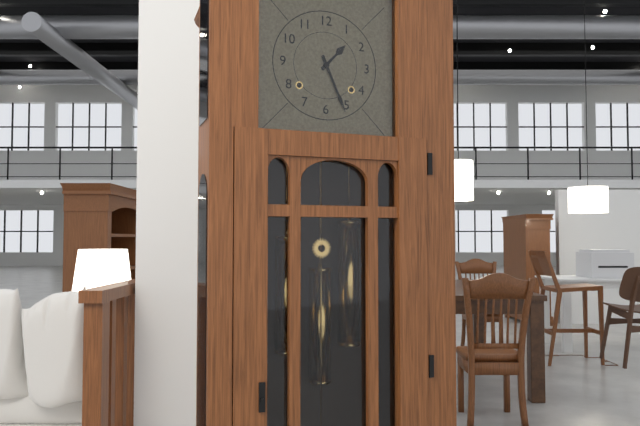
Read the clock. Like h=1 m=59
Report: h=1 m=26
